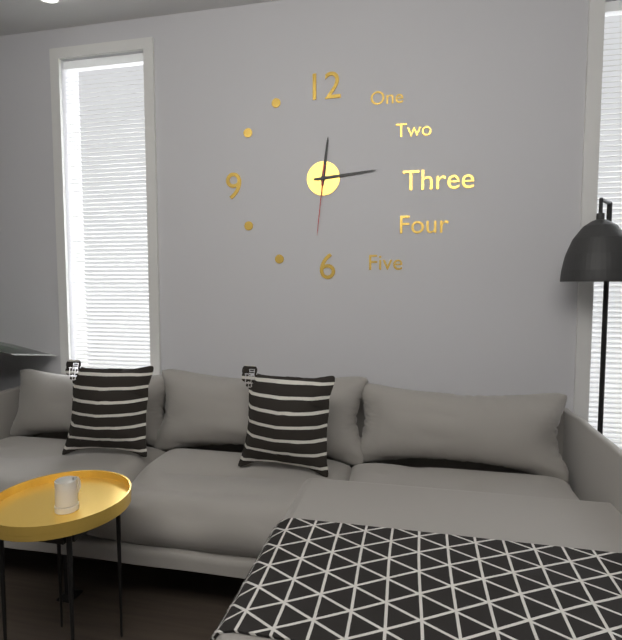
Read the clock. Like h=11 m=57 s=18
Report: h=12 m=14 s=31
